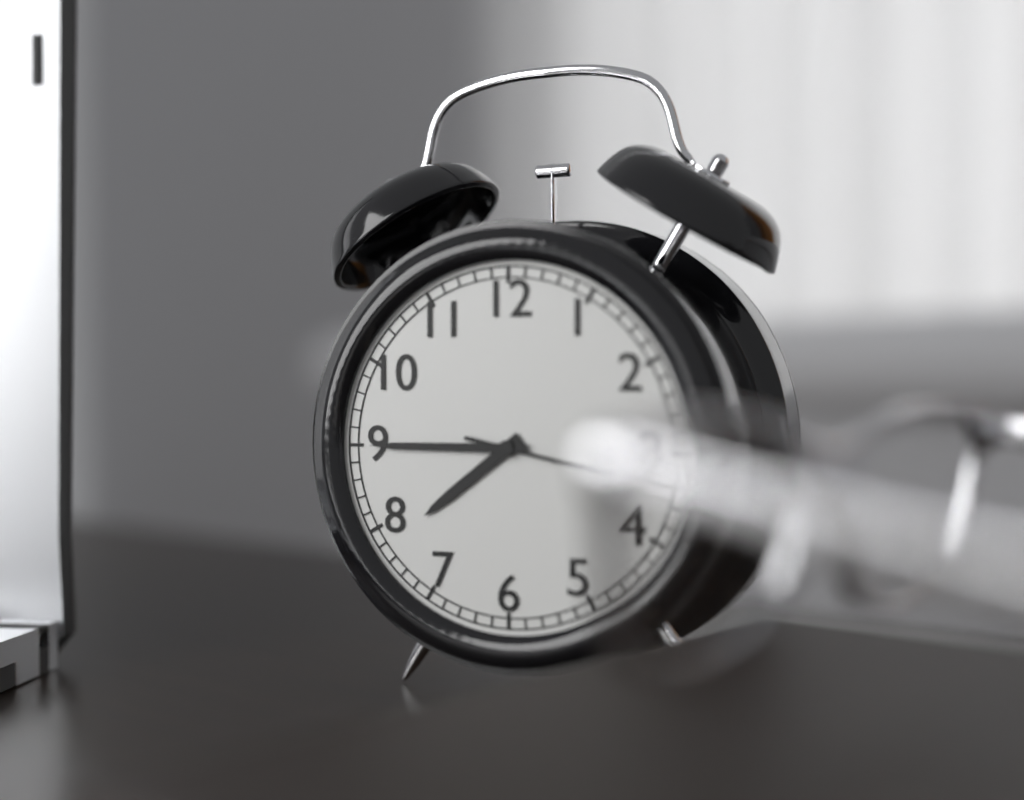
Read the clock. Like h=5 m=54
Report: h=7 m=45
